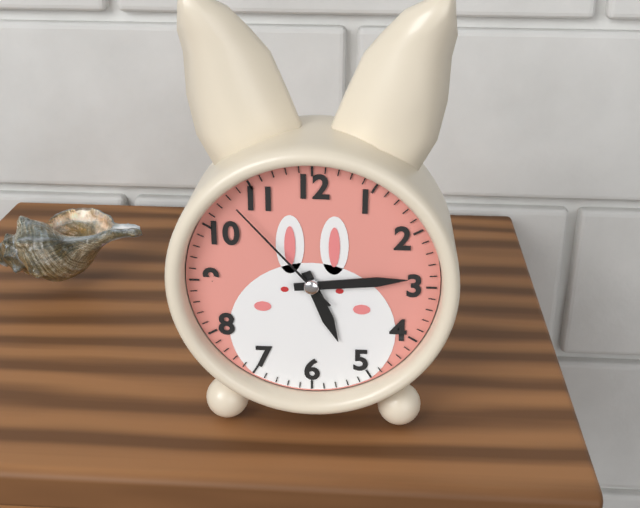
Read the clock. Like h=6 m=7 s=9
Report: h=5 m=14 s=53
